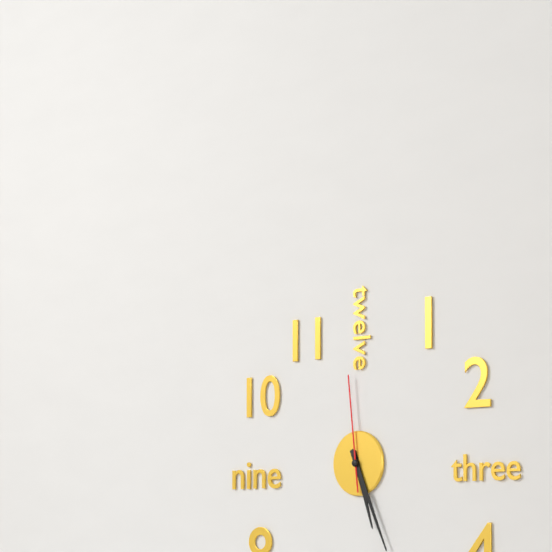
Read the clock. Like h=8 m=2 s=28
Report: h=5 m=26 s=59
